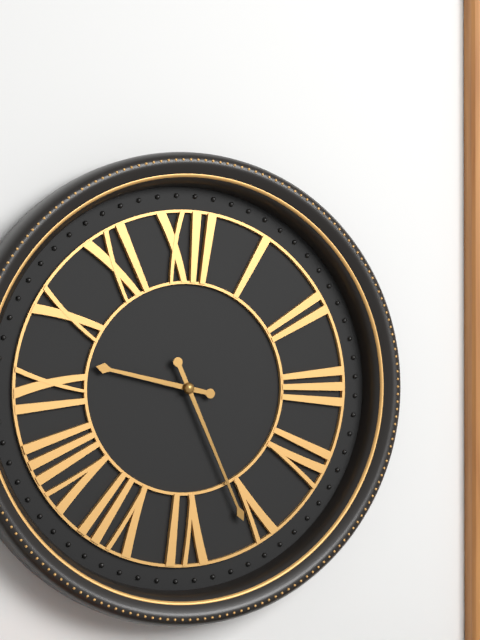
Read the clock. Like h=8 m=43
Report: h=9 m=26
